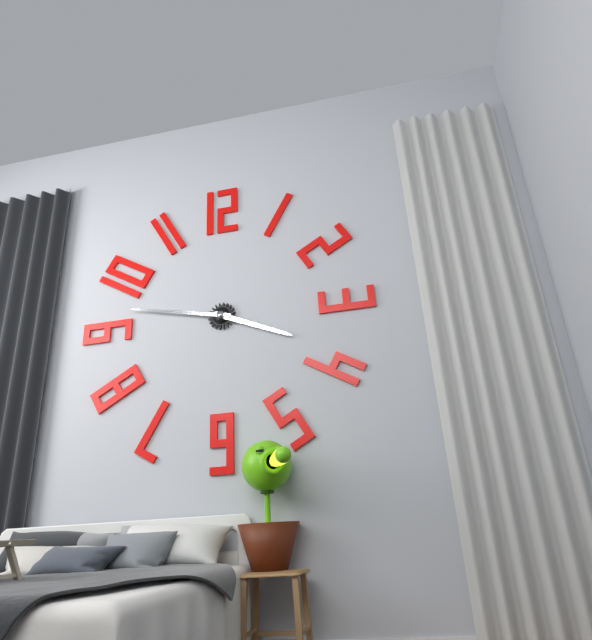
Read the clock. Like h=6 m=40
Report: h=3 m=47
